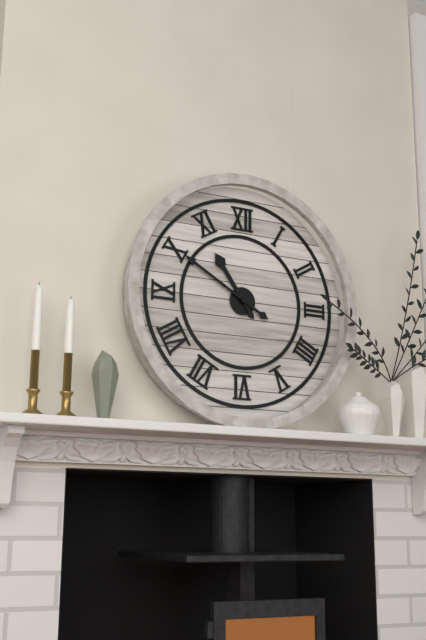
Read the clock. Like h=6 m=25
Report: h=10 m=50
